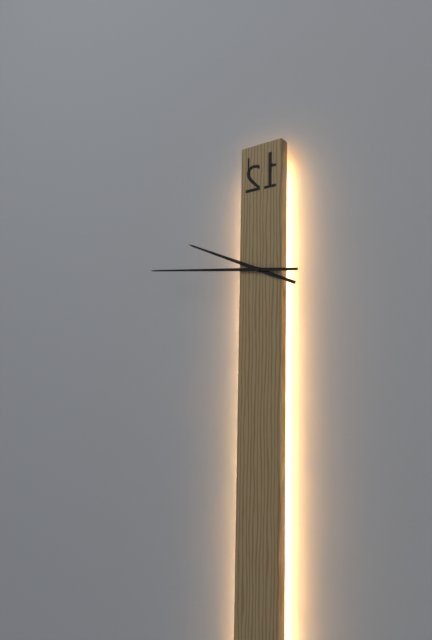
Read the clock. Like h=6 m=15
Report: h=9 m=46
